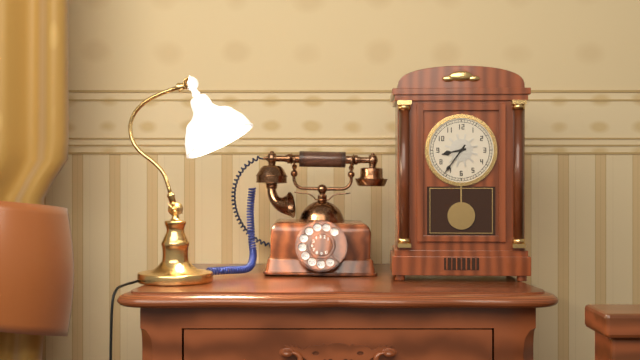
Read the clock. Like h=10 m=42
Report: h=8 m=36
